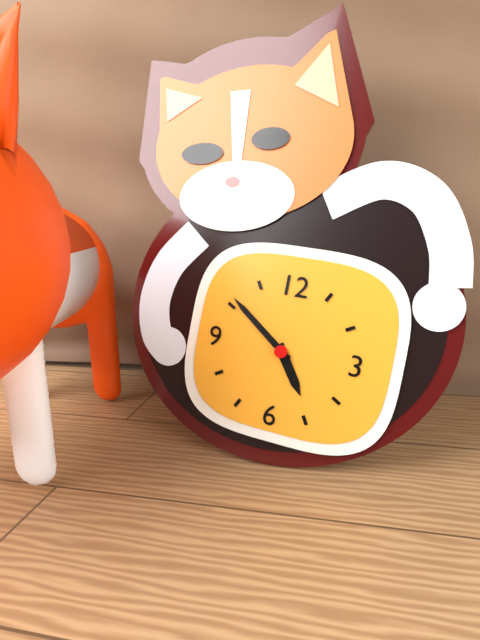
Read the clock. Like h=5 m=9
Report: h=4 m=51
